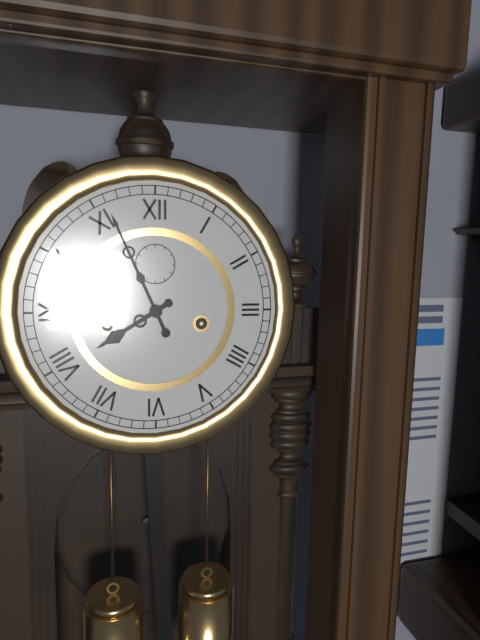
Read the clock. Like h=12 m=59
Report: h=7 m=56
